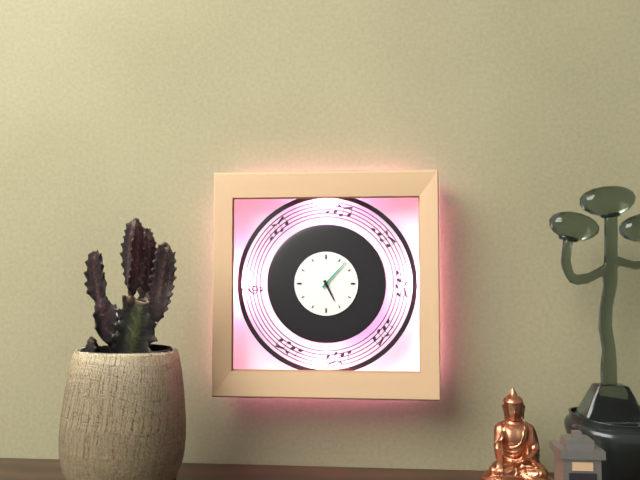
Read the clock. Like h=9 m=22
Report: h=5 m=7
